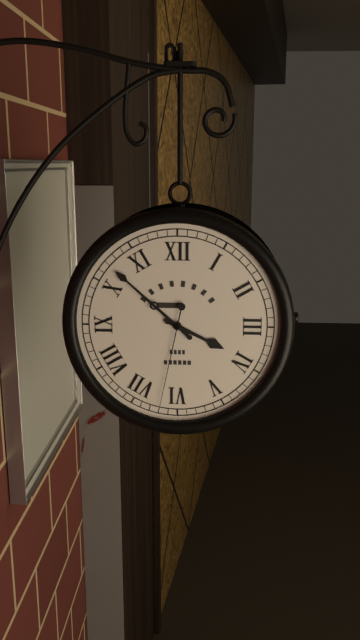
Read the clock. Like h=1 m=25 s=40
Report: h=3 m=52 s=32
